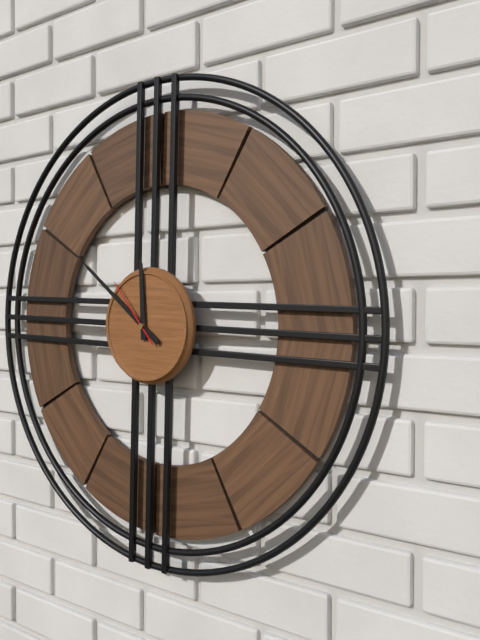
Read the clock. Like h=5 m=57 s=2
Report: h=11 m=51 s=53
